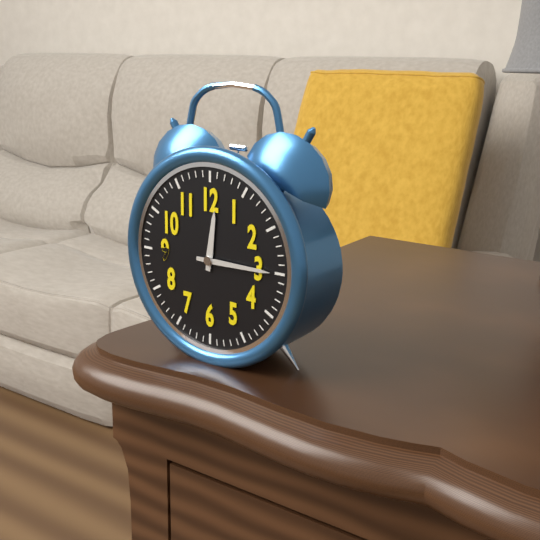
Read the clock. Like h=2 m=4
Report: h=12 m=15
